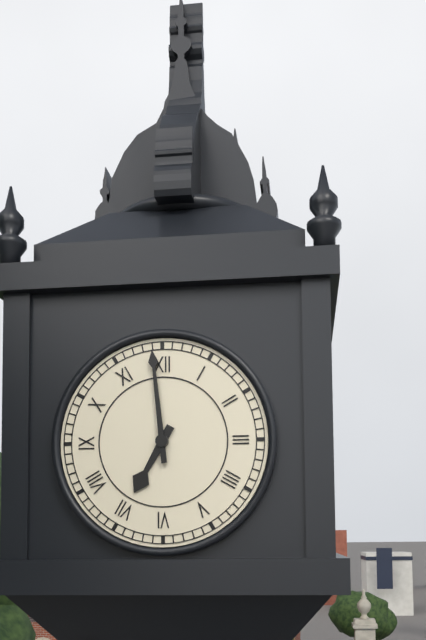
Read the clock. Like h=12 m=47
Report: h=6 m=59
